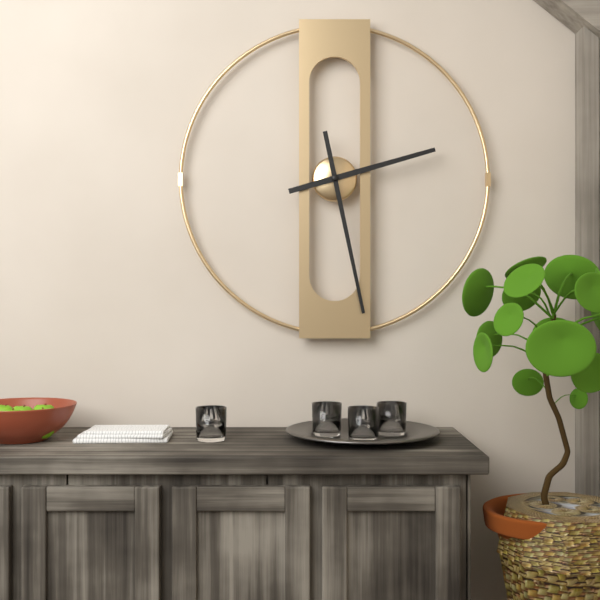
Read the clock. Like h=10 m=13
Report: h=2 m=28
